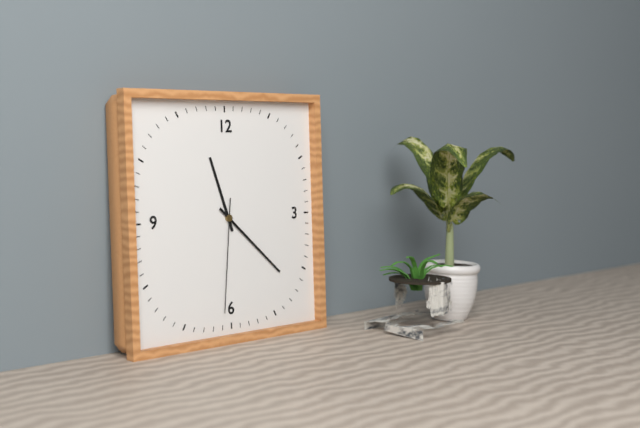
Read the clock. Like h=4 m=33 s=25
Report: h=11 m=22 s=31
